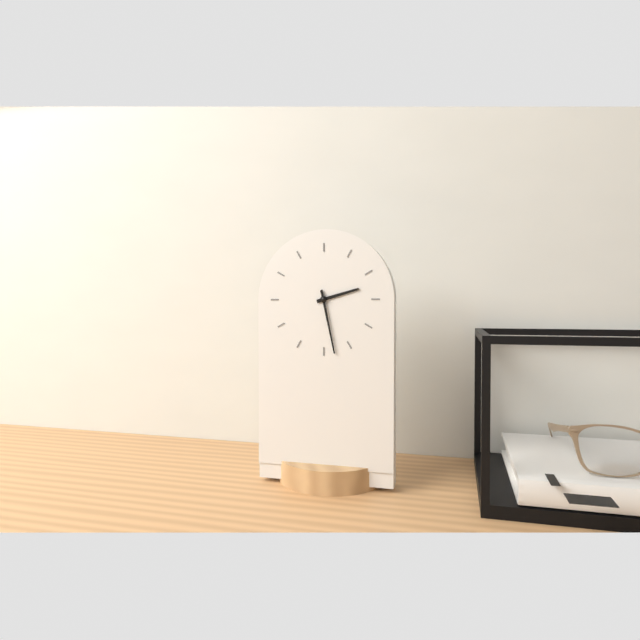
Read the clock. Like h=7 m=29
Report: h=2 m=28
